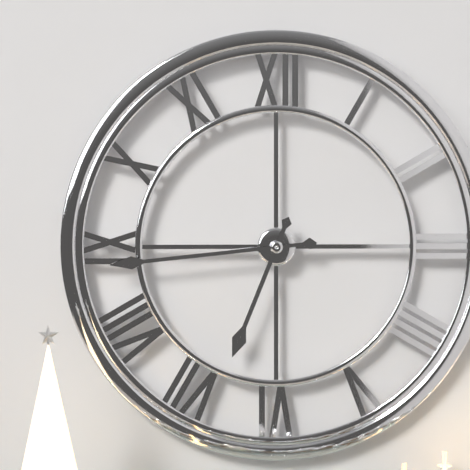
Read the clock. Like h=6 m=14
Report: h=6 m=44
